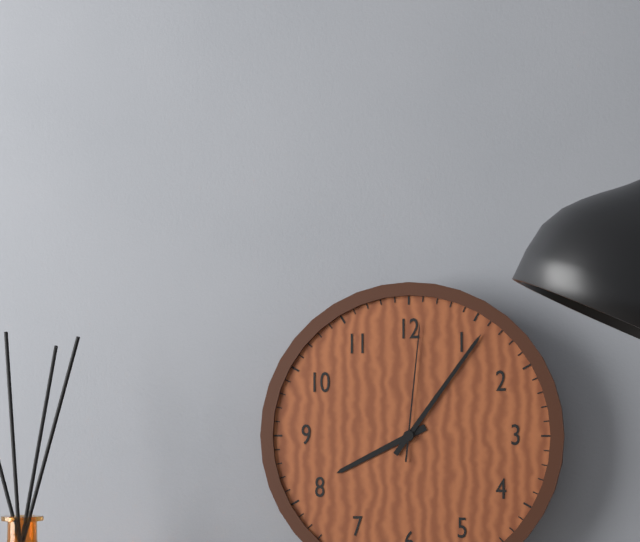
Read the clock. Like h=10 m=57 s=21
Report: h=8 m=6 s=1
